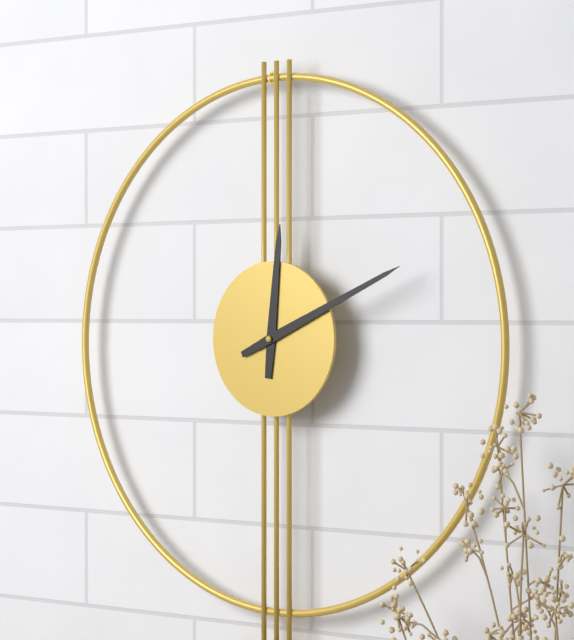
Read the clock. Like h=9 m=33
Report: h=12 m=11
